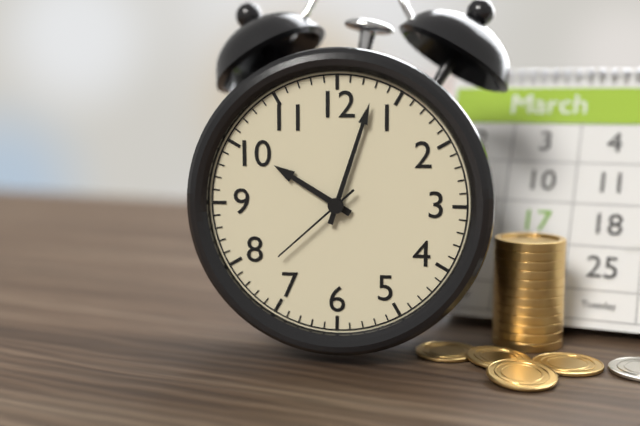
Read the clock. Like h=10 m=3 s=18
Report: h=10 m=3 s=38
